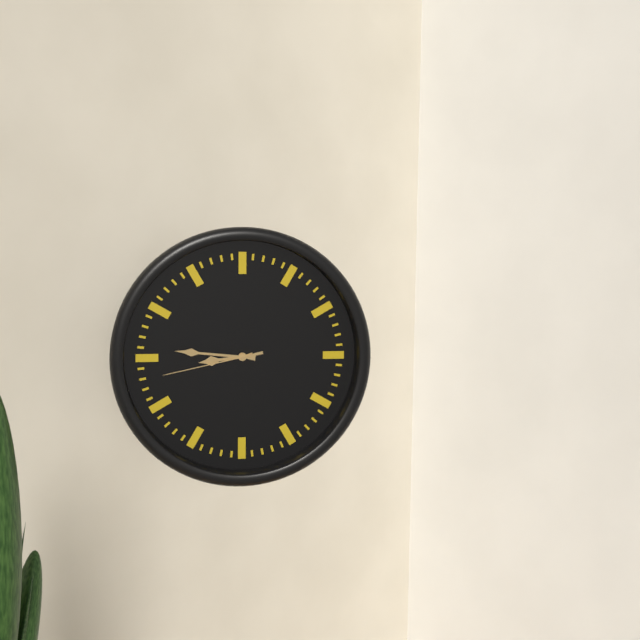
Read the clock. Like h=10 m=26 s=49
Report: h=8 m=46 s=43
